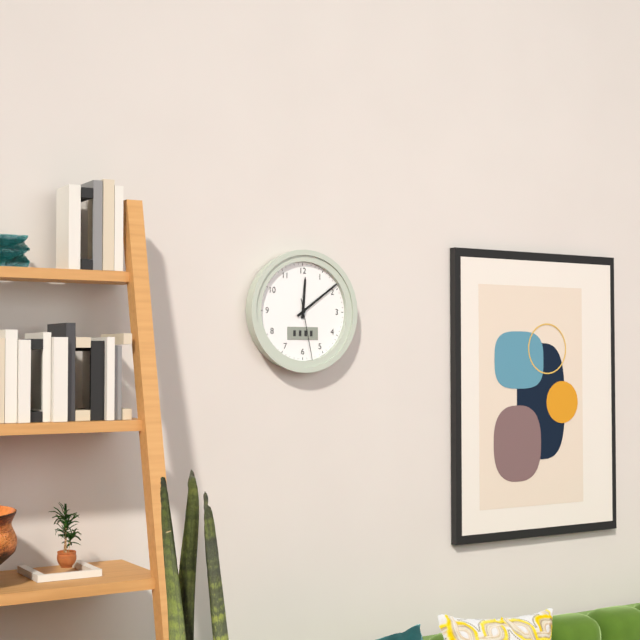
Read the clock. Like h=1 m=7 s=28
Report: h=12 m=9 s=28
